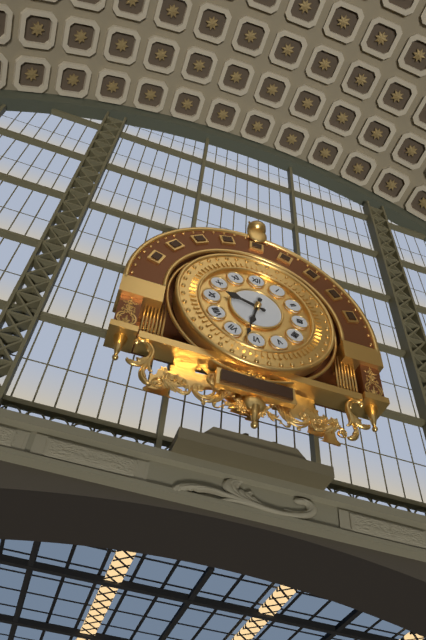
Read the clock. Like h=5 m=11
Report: h=9 m=32
